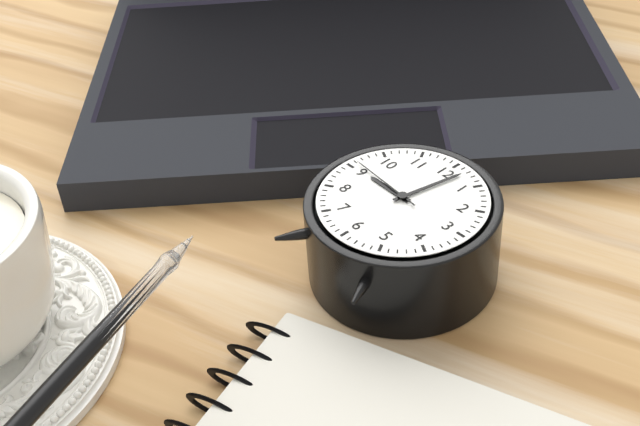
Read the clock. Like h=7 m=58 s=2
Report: h=9 m=2 s=46
